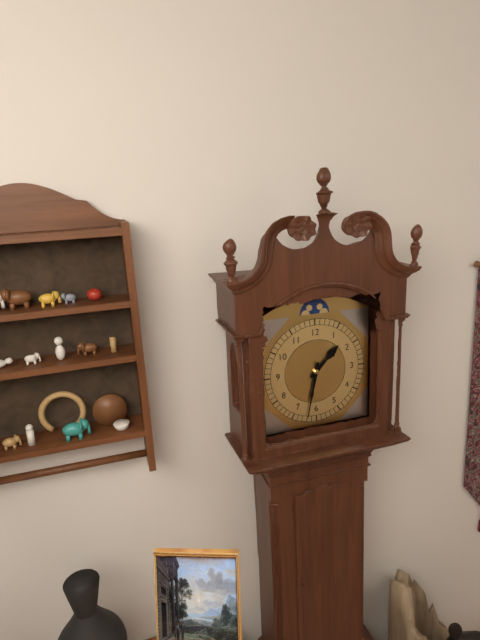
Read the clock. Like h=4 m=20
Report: h=1 m=32
